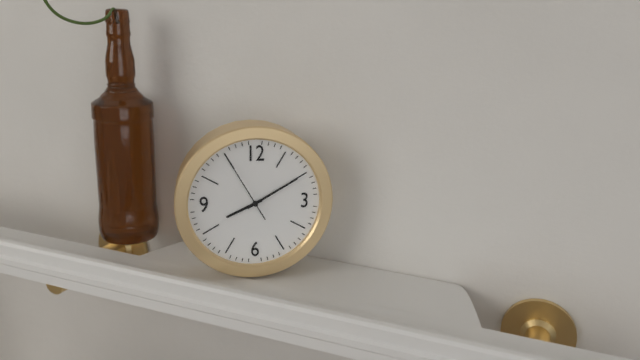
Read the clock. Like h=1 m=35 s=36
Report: h=8 m=10 s=55
